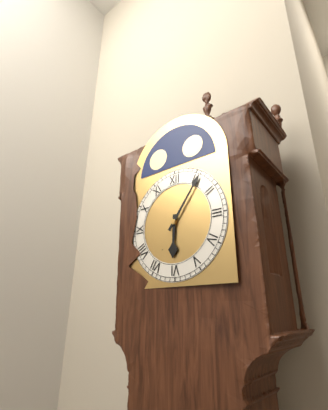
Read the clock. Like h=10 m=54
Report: h=6 m=6
